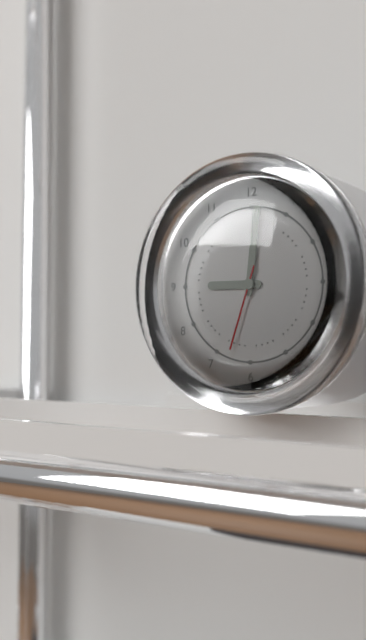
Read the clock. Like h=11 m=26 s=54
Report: h=9 m=1 s=33
